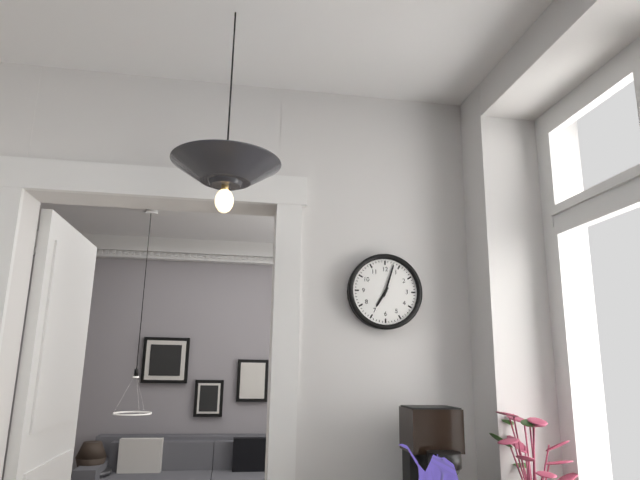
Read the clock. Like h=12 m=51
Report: h=7 m=3
